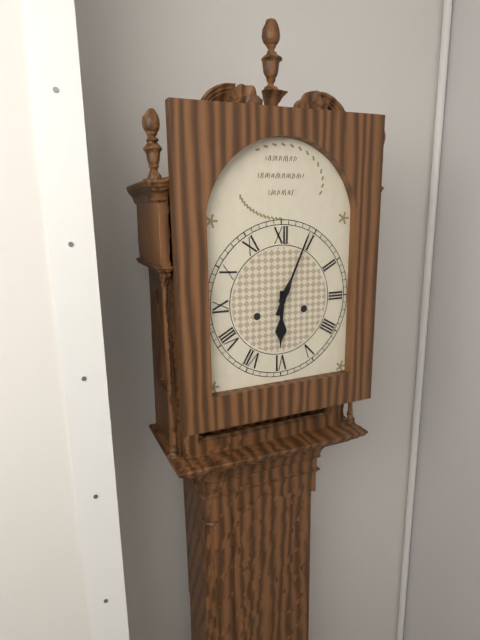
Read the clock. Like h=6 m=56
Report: h=6 m=4
